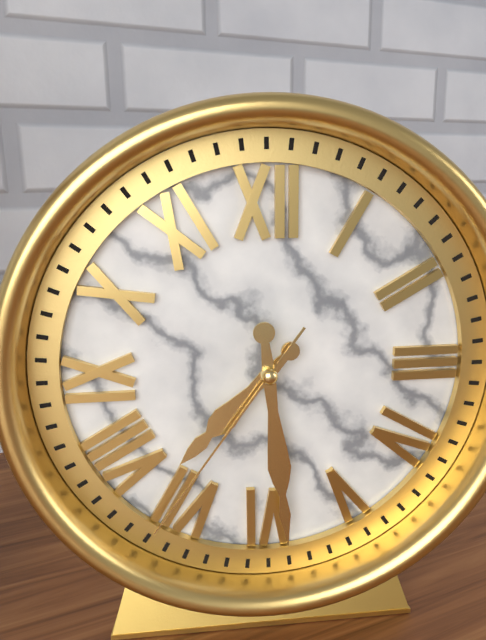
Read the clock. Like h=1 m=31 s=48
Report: h=7 m=29 s=36
